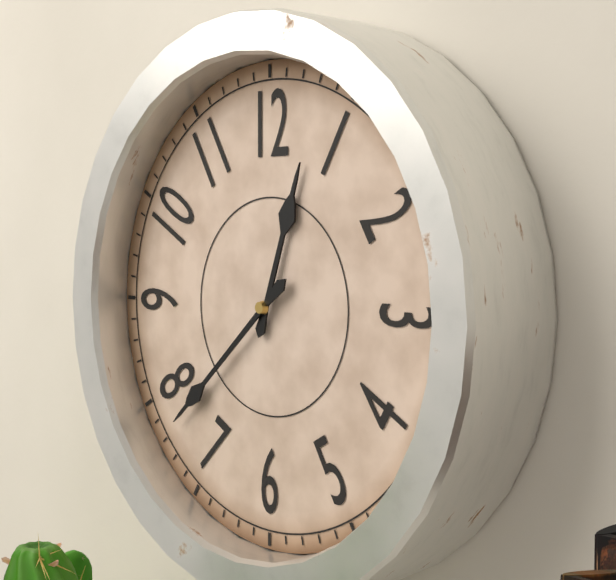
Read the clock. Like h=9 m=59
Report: h=12 m=38
